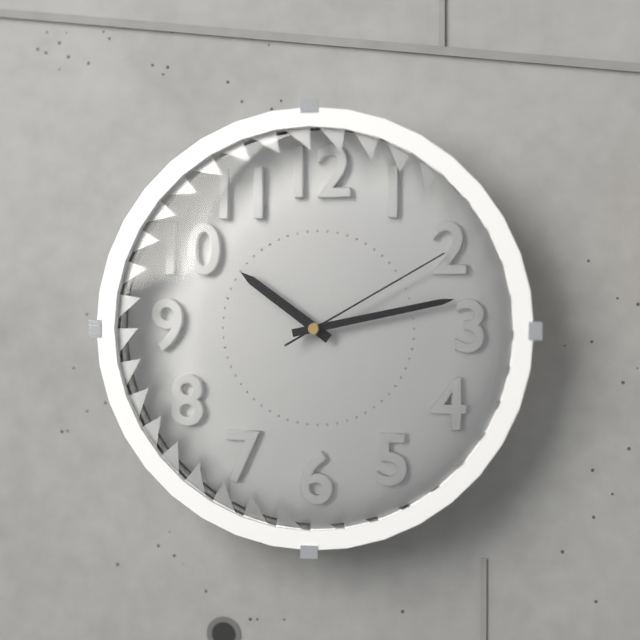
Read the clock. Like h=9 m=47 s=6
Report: h=10 m=13 s=10
